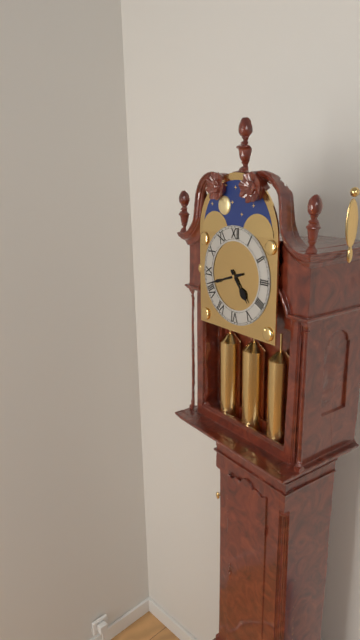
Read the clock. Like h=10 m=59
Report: h=4 m=42
